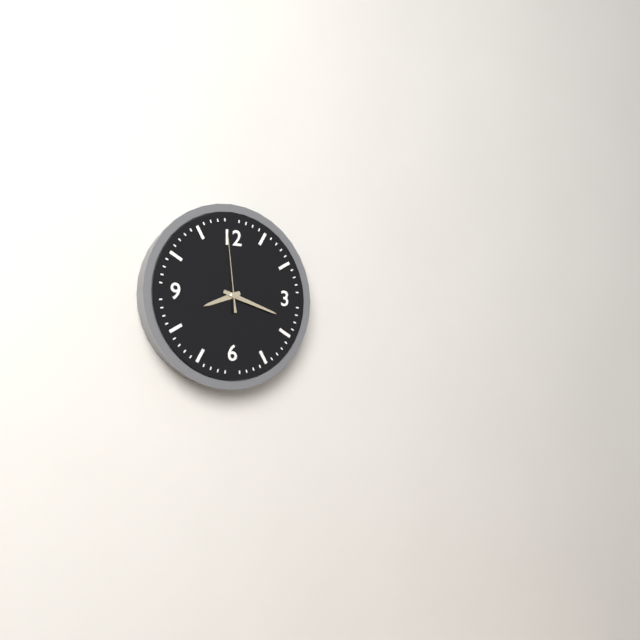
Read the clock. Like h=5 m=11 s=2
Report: h=8 m=18 s=59
